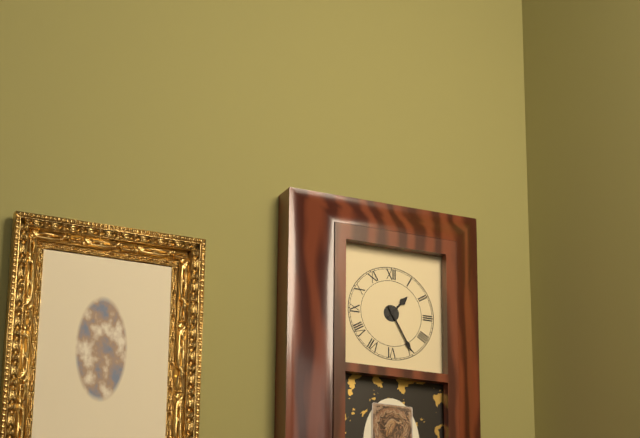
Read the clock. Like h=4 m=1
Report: h=1 m=25
